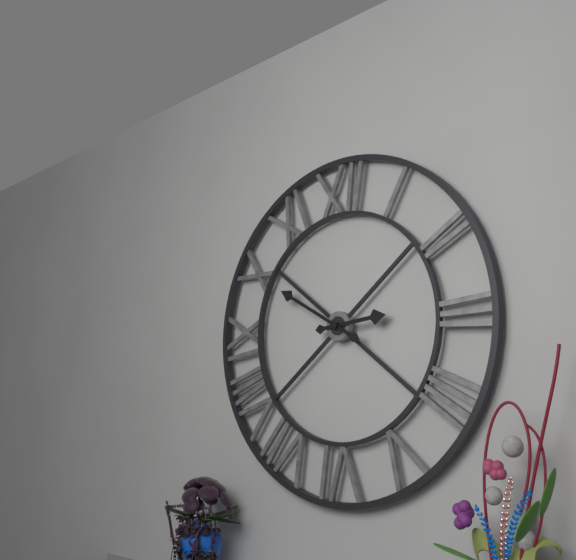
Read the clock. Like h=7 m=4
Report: h=2 m=50
